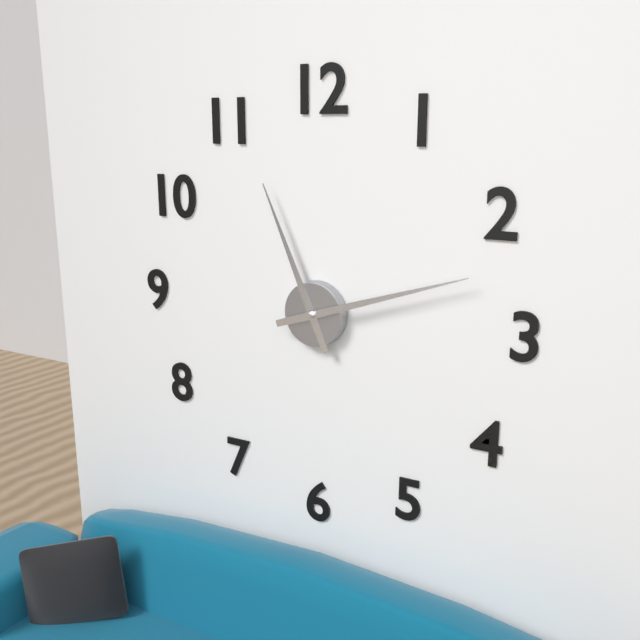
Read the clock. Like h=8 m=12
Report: h=11 m=12
